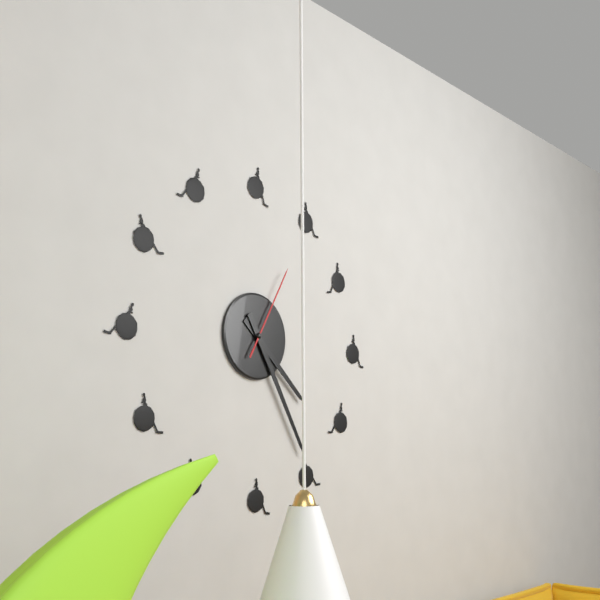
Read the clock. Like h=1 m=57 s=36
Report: h=4 m=25 s=5
